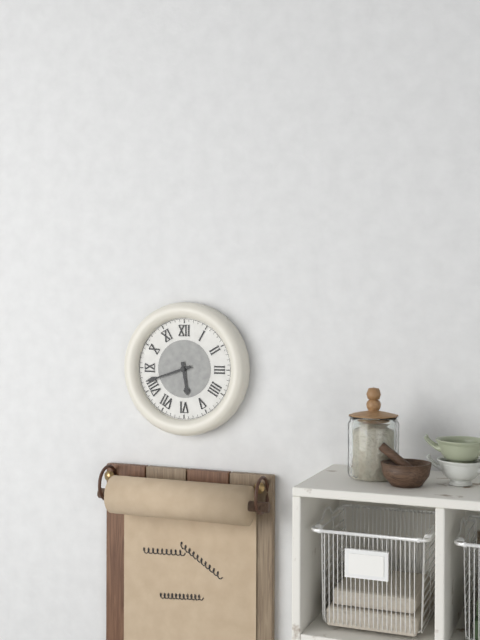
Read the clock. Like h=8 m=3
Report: h=5 m=42
